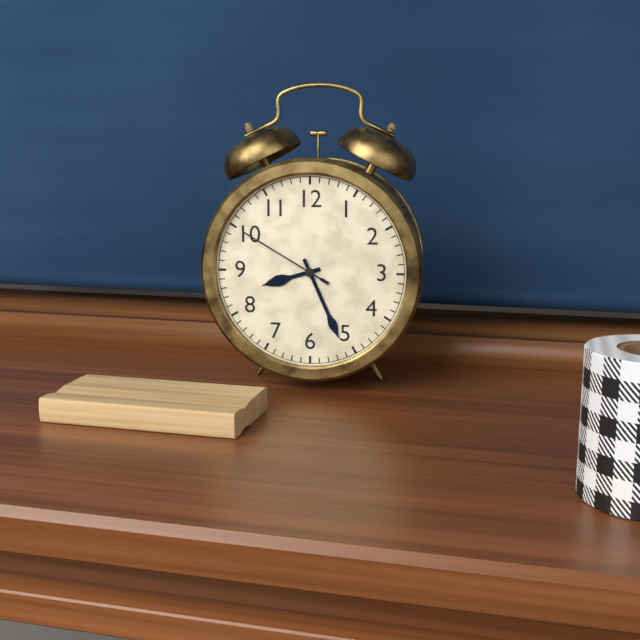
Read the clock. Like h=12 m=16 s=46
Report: h=8 m=26 s=50
